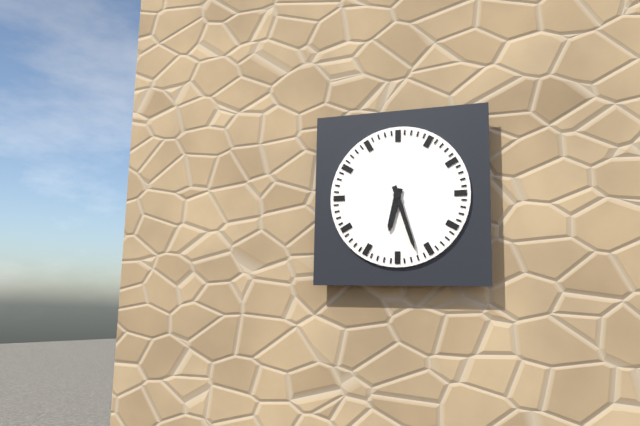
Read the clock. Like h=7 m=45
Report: h=6 m=27
